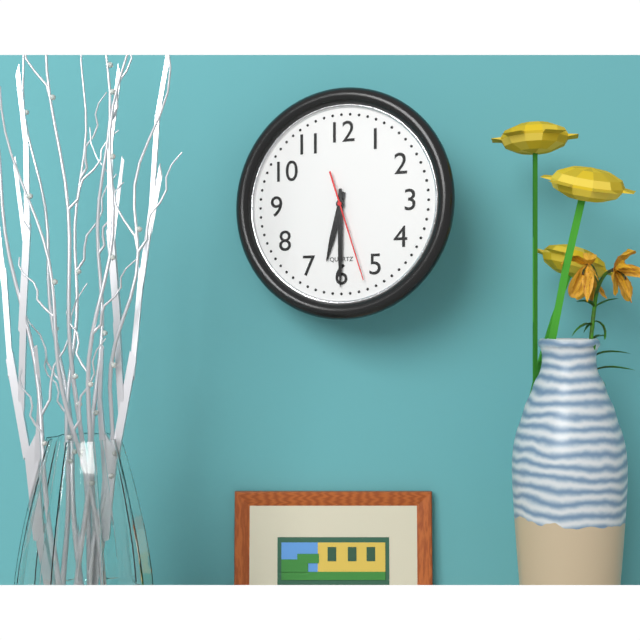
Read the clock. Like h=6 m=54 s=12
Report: h=6 m=30 s=27
